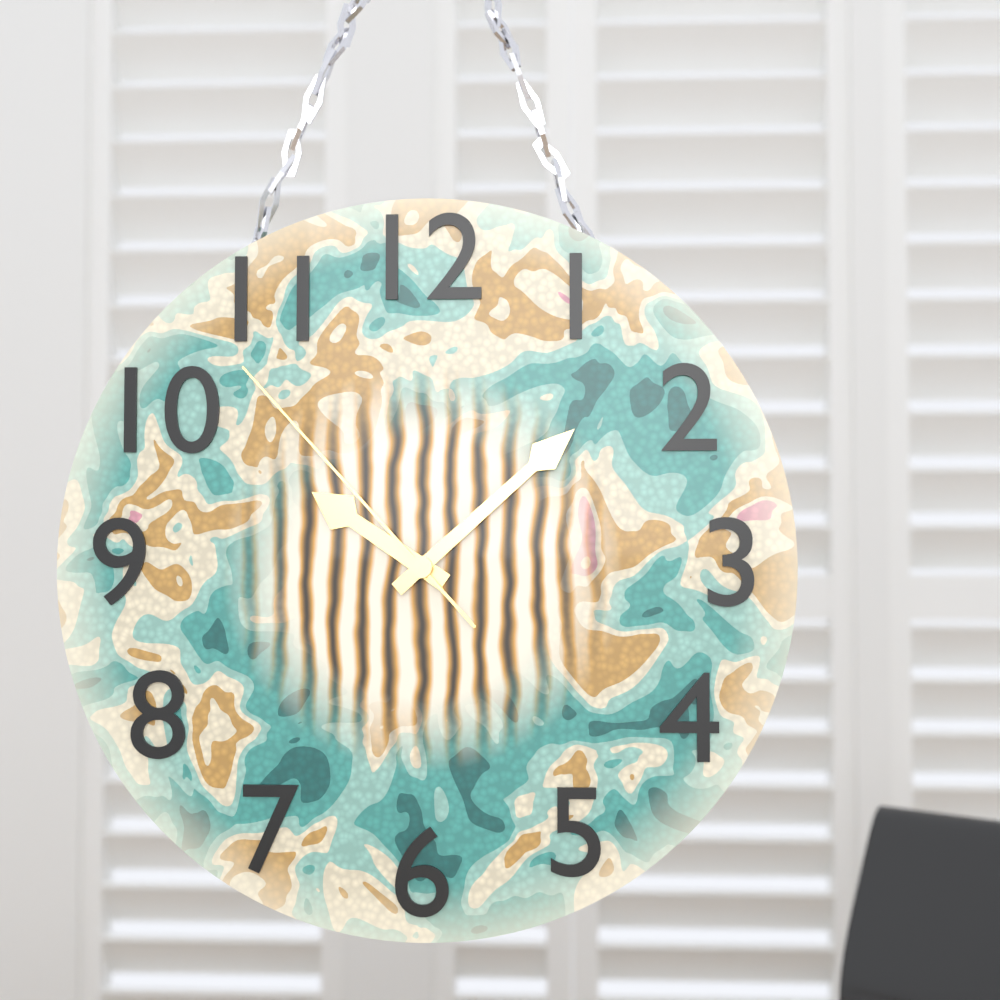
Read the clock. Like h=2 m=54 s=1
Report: h=10 m=8 s=53
